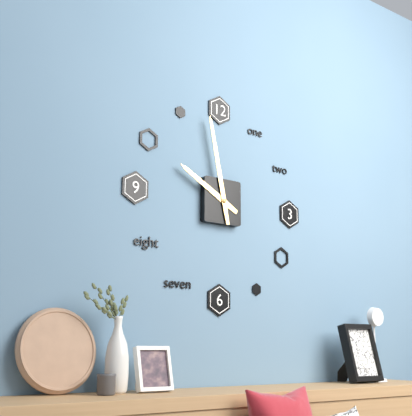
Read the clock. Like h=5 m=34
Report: h=9 m=58
